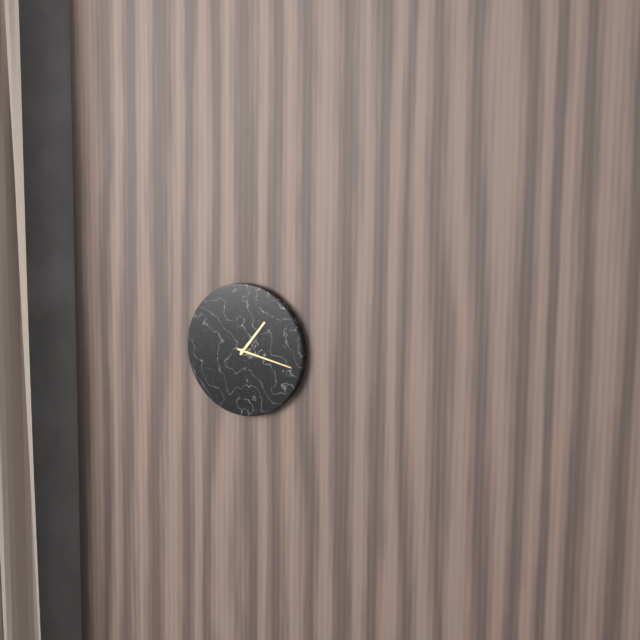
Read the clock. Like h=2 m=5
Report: h=1 m=17
